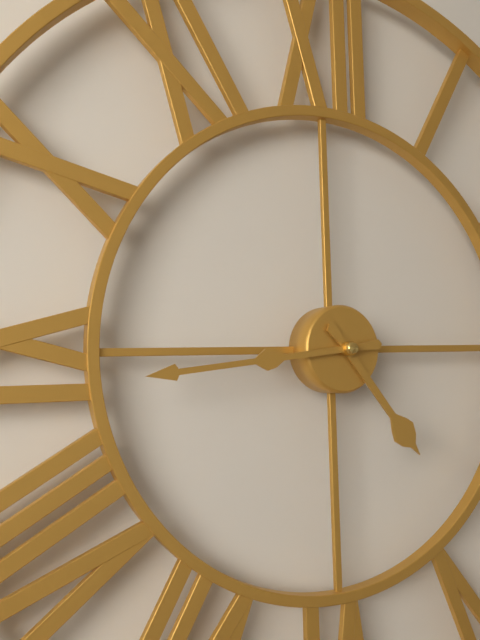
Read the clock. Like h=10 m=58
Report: h=4 m=44
